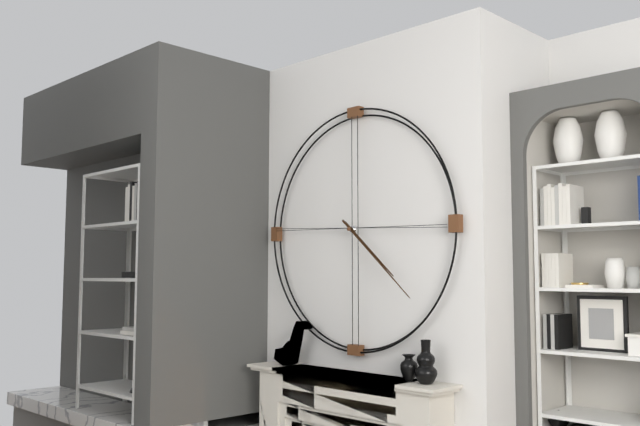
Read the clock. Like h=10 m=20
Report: h=4 m=22
